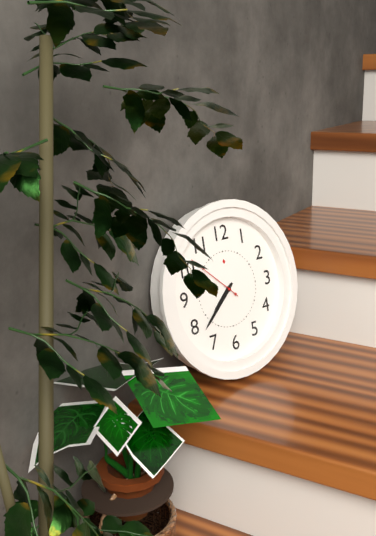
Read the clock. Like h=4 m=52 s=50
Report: h=7 m=38 s=52
